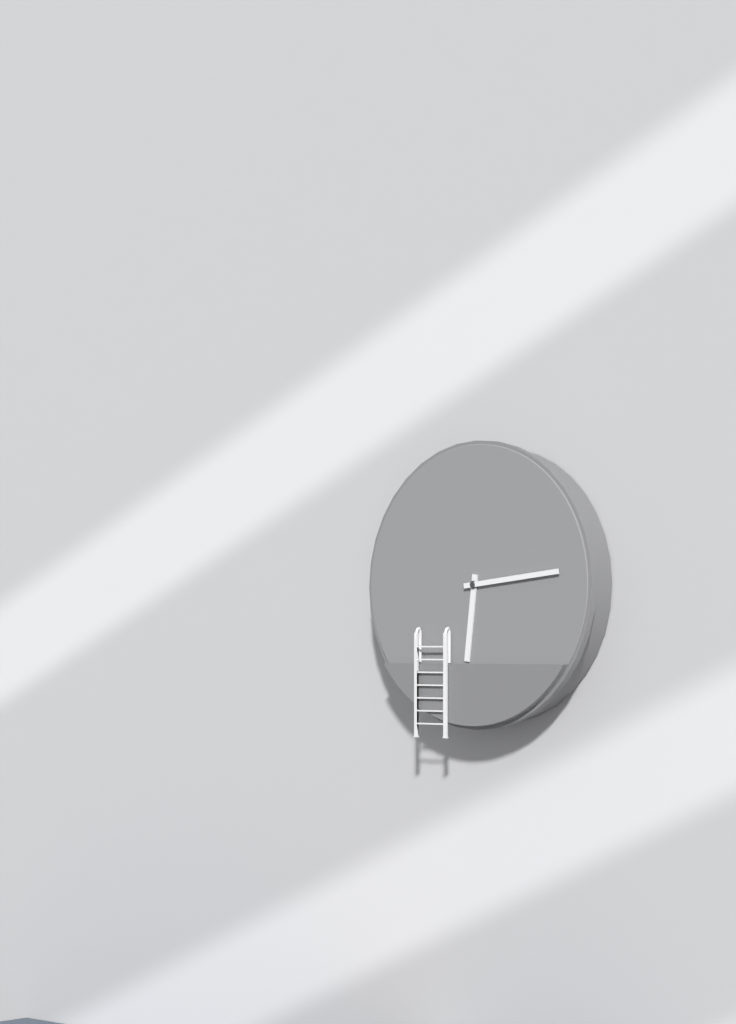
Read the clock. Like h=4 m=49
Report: h=6 m=14
